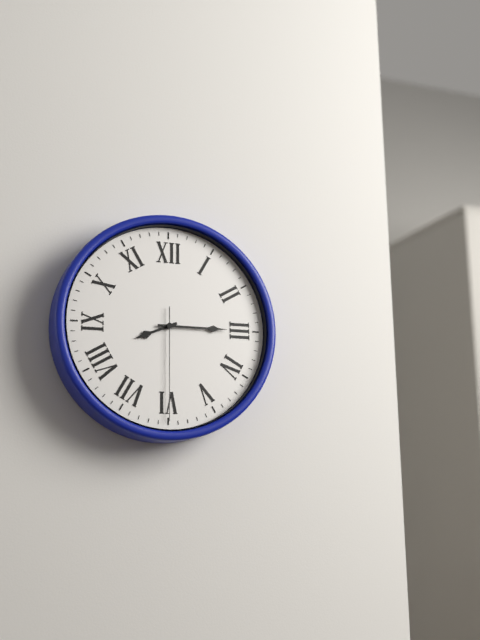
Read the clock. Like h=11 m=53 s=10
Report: h=8 m=15 s=30
